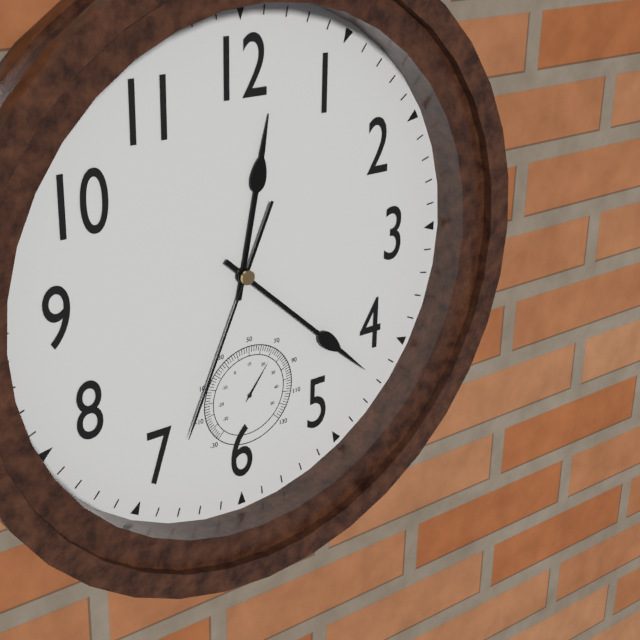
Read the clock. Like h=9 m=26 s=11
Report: h=12 m=22 s=34
